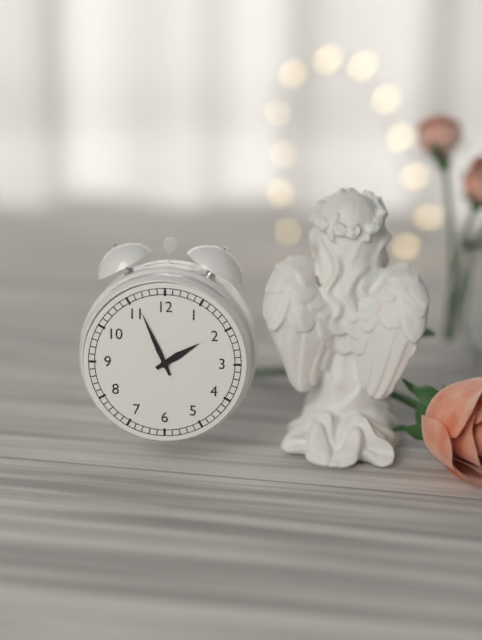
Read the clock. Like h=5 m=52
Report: h=1 m=56
